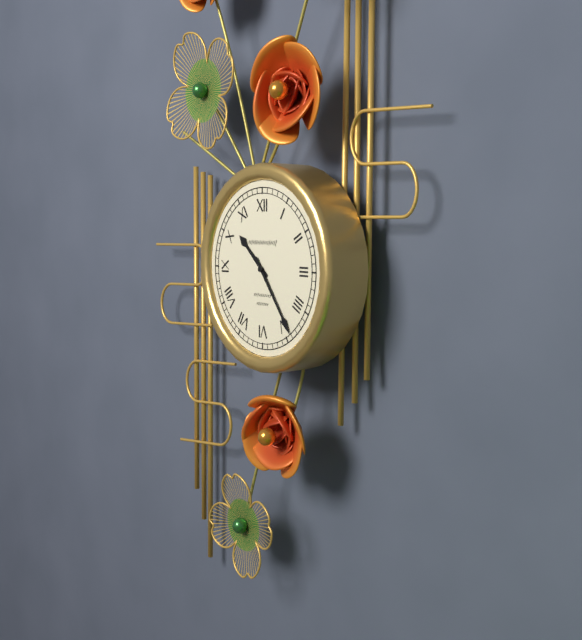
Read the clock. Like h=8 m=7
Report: h=10 m=24
